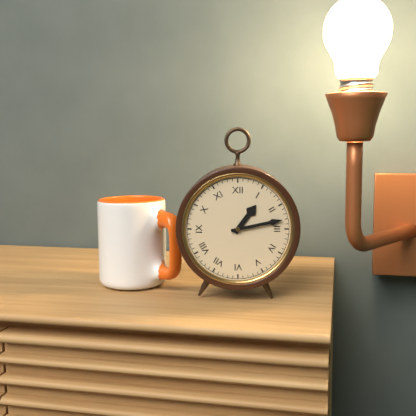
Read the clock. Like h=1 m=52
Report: h=1 m=13
